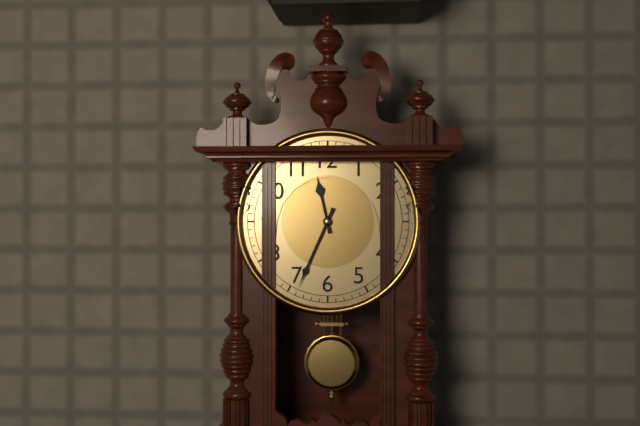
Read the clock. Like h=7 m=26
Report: h=11 m=34
